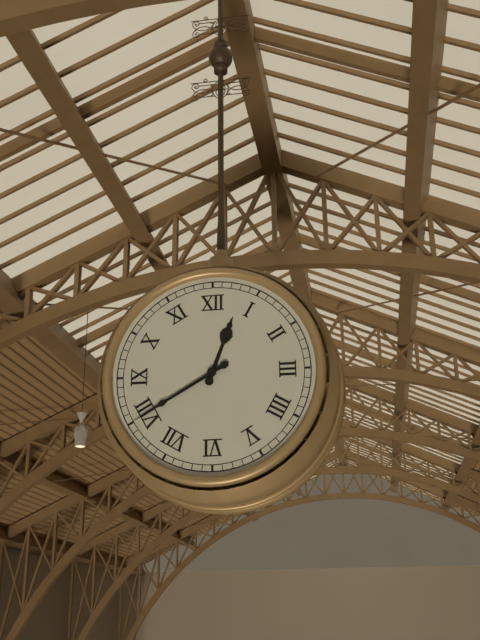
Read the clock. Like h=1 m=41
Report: h=12 m=40
